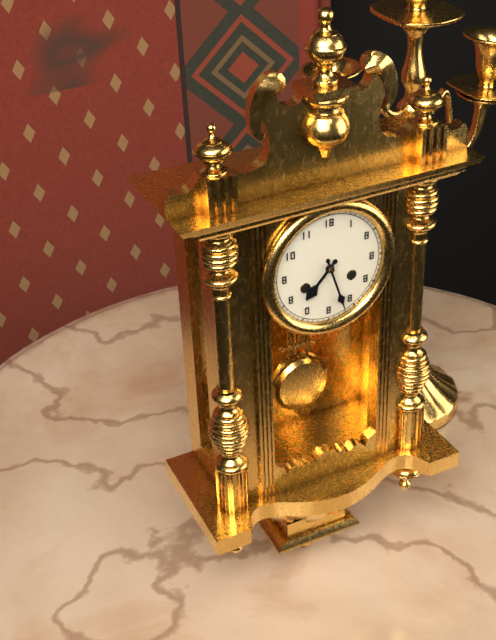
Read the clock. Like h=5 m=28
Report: h=7 m=27
